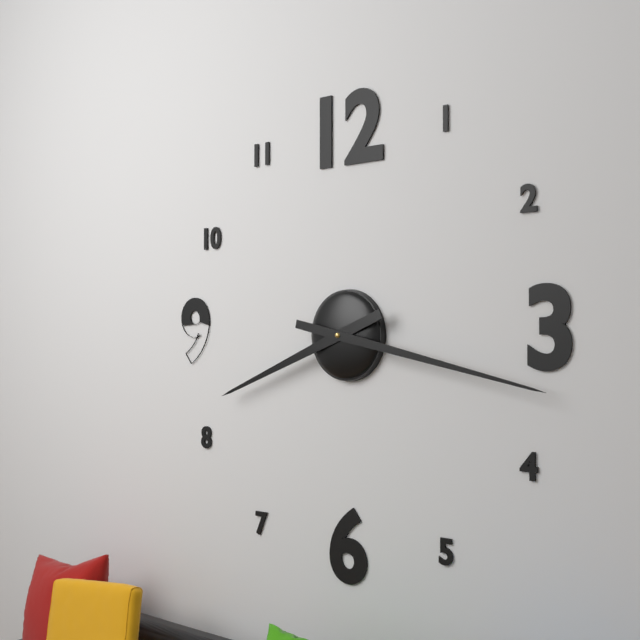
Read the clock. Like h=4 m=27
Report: h=8 m=17
